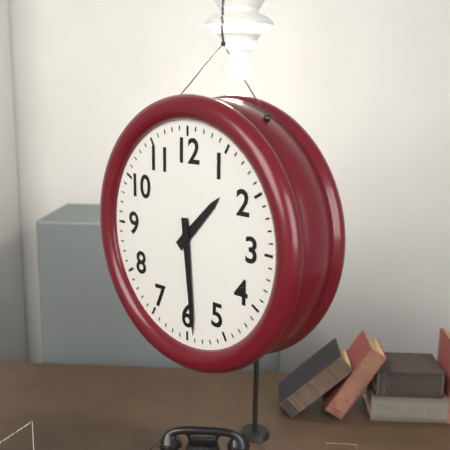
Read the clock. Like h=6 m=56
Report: h=1 m=29
